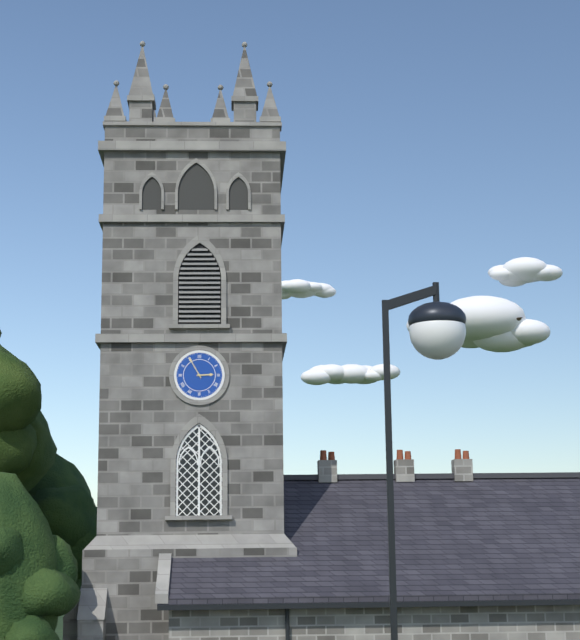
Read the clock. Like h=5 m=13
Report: h=2 m=55
